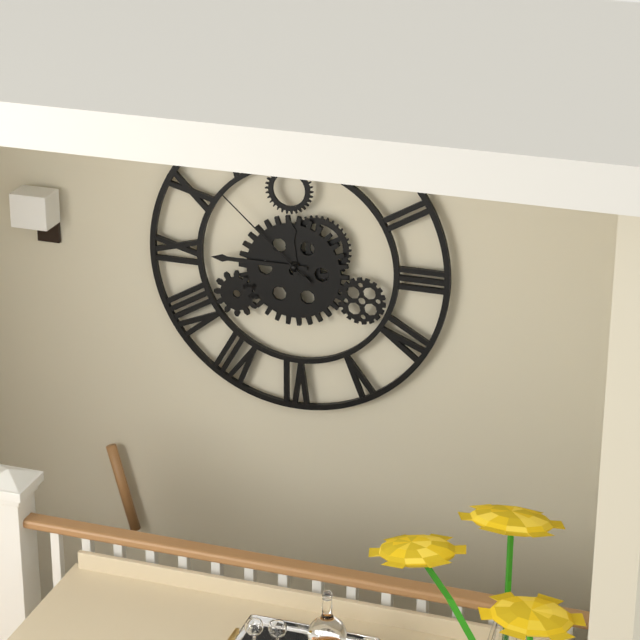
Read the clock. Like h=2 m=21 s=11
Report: h=11 m=45 s=52
